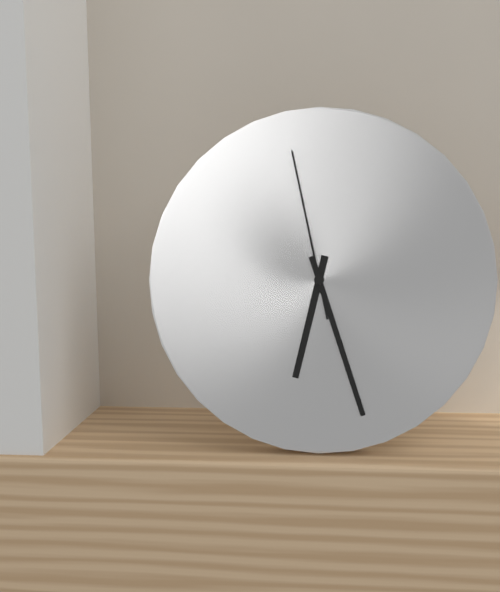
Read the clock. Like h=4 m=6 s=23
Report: h=6 m=27 s=58
